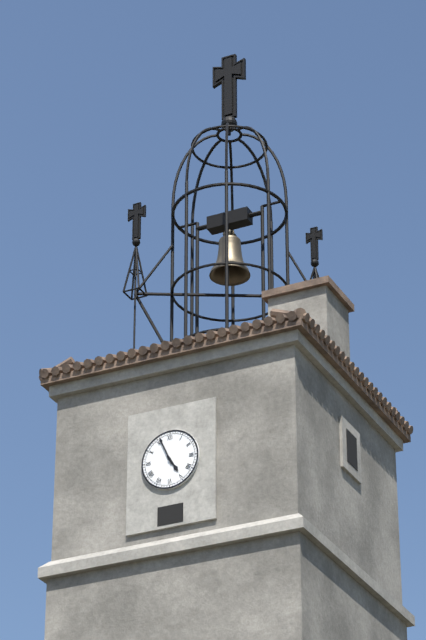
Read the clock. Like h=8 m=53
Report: h=4 m=56
